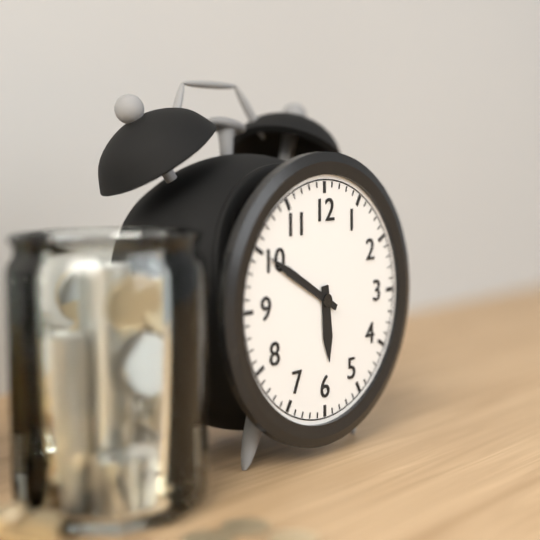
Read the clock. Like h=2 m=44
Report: h=5 m=50
